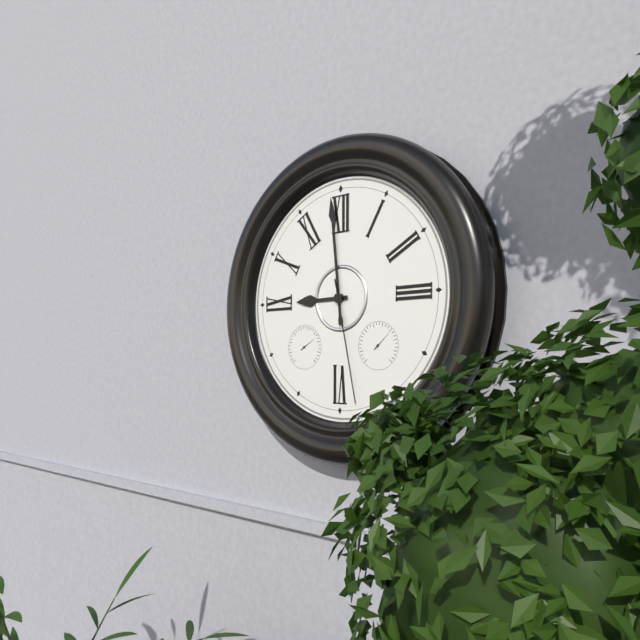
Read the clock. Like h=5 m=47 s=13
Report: h=8 m=59 s=28
